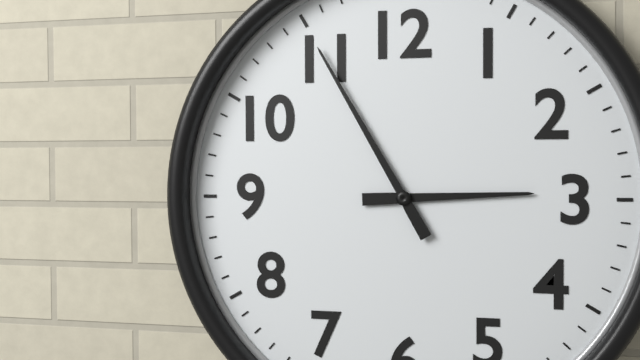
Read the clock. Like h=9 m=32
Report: h=2 m=55
